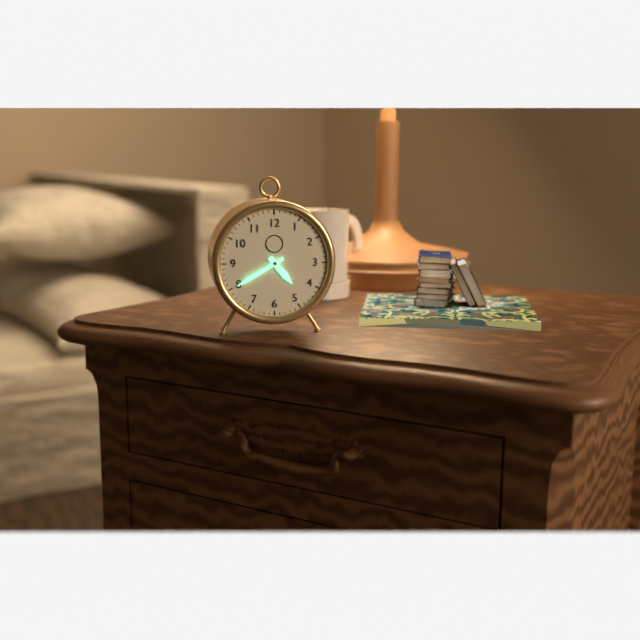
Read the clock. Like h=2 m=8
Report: h=4 m=40
